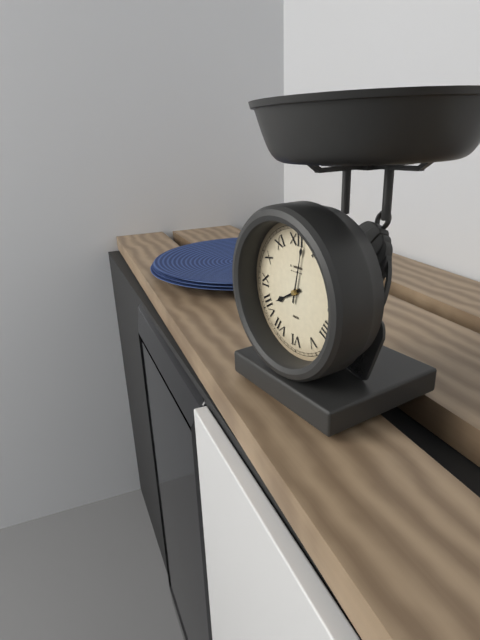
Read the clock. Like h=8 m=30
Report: h=8 m=2
